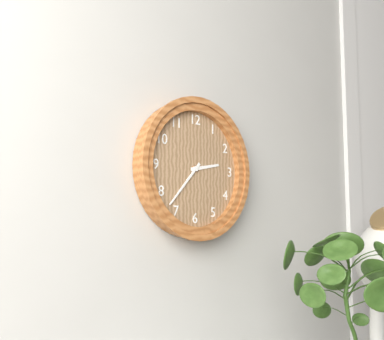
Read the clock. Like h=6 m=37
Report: h=2 m=37
